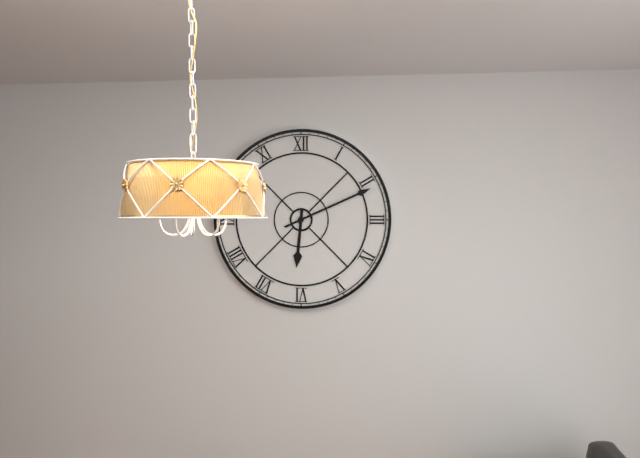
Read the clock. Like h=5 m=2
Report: h=6 m=11
